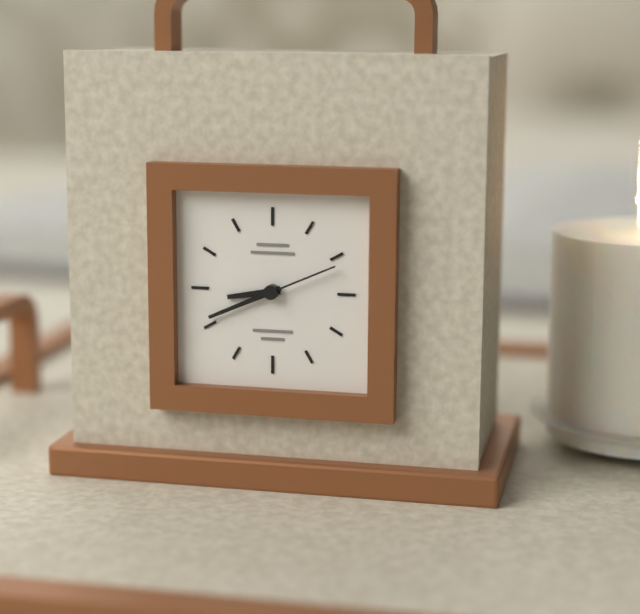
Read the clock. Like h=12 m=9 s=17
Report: h=8 m=41 s=11
